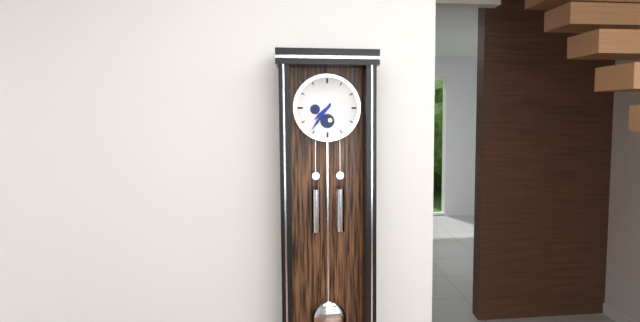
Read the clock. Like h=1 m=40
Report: h=7 m=36
